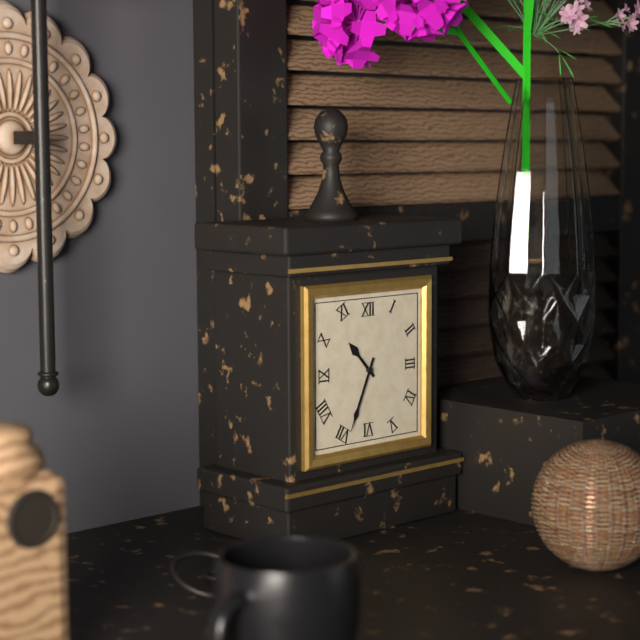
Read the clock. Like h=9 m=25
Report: h=10 m=34
